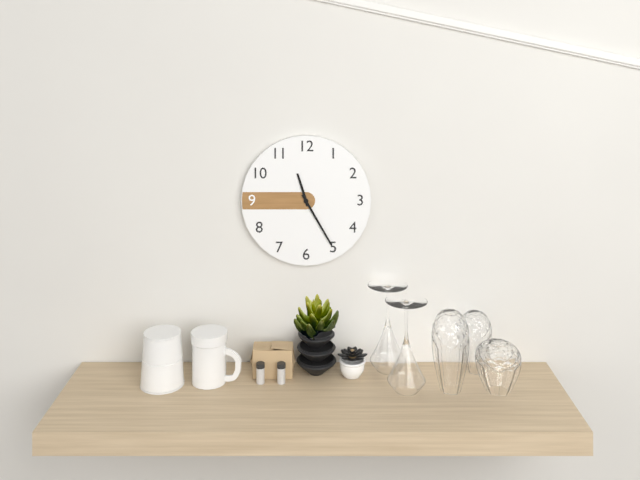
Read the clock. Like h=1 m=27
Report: h=11 m=25
